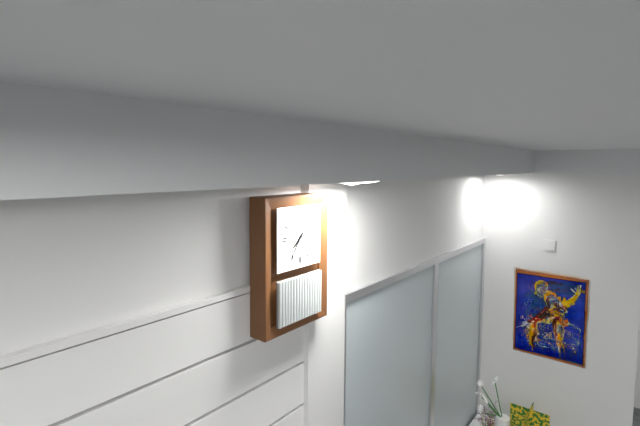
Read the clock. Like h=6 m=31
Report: h=7 m=36
